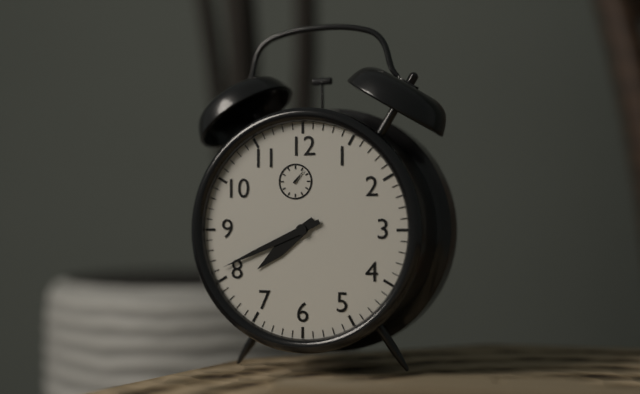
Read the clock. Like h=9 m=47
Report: h=7 m=41
